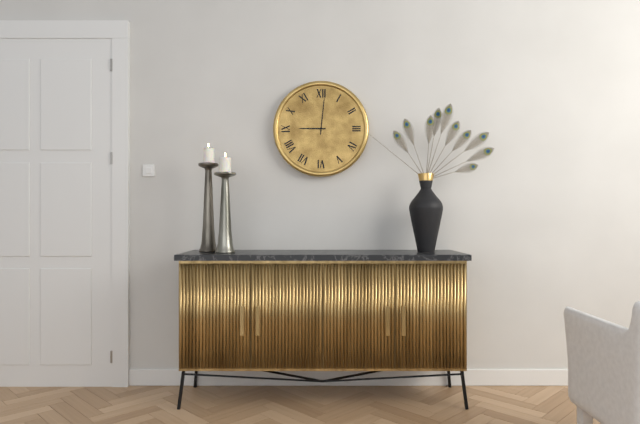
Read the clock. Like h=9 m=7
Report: h=9 m=1
